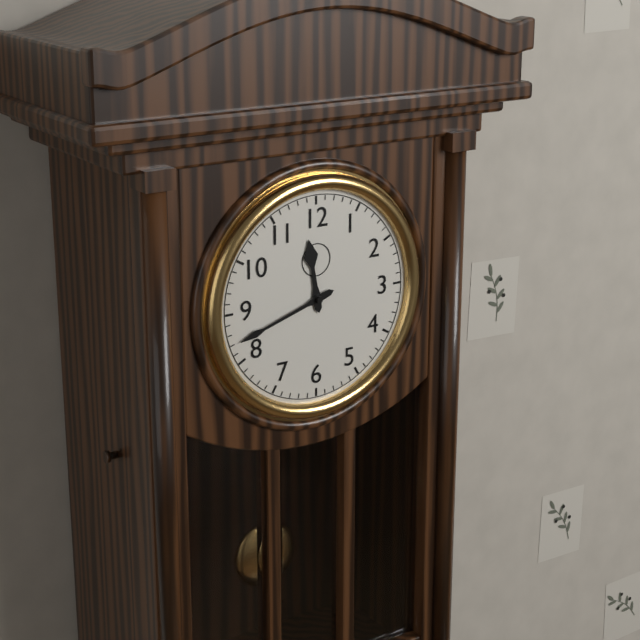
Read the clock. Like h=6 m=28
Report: h=11 m=42
